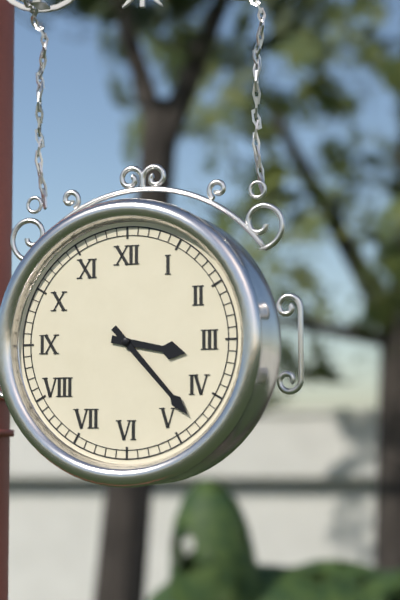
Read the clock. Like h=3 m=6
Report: h=3 m=23
